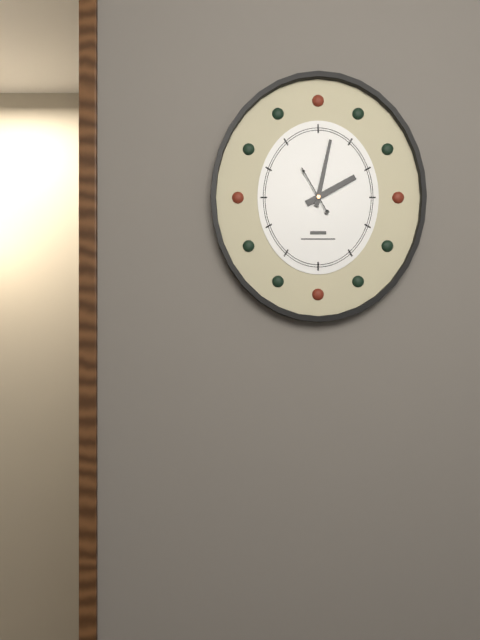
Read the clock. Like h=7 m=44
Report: h=2 m=2
